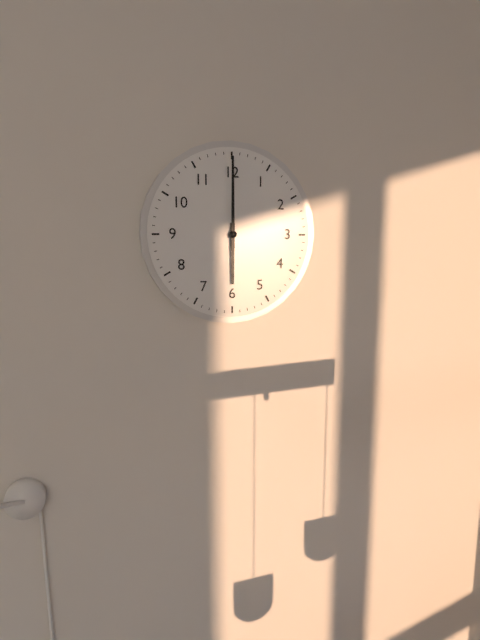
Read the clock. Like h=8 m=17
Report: h=6 m=0
